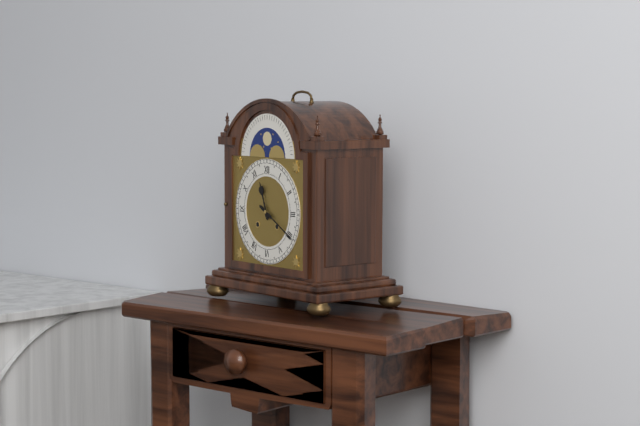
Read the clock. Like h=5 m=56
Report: h=11 m=20
